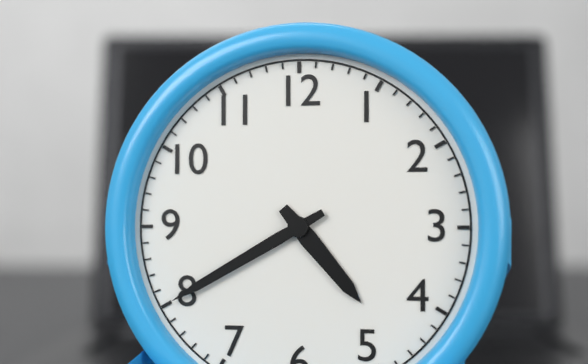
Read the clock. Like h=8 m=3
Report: h=4 m=40
